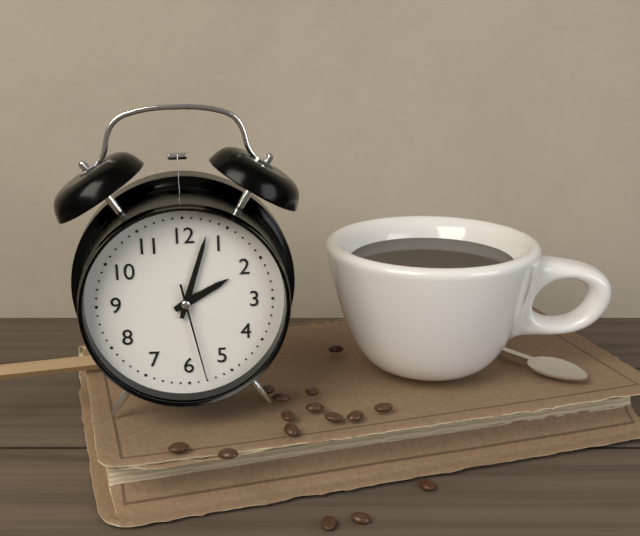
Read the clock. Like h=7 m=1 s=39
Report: h=2 m=3 s=28
